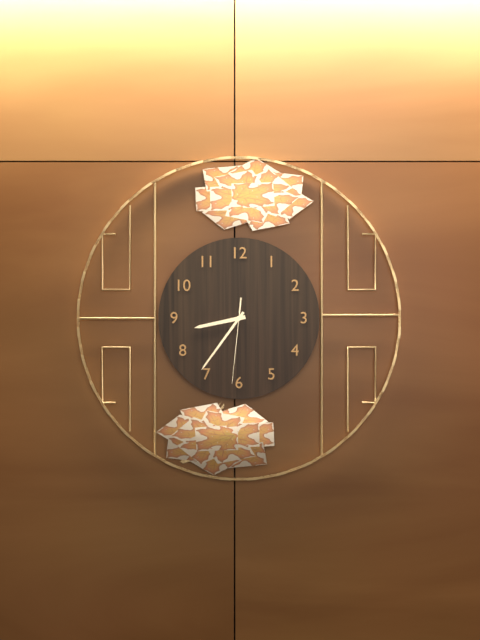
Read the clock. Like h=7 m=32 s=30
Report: h=8 m=36 s=31
